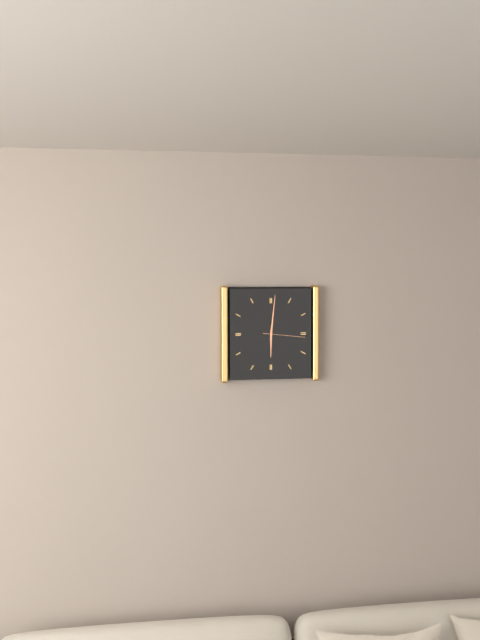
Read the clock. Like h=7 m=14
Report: h=6 m=1
